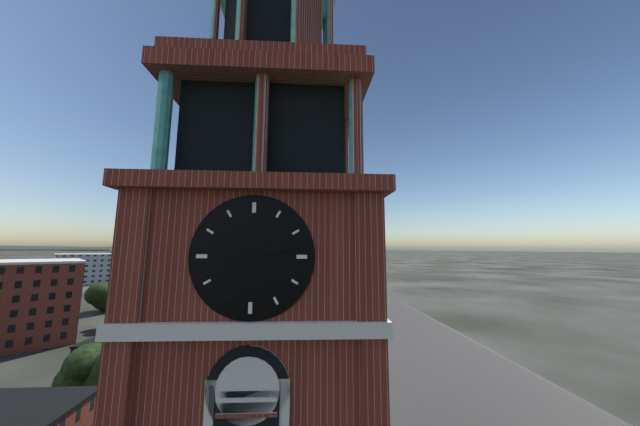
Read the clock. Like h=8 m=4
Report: h=9 m=13
